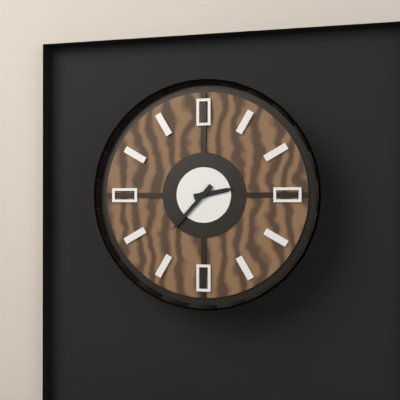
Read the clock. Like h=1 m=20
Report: h=2 m=37
